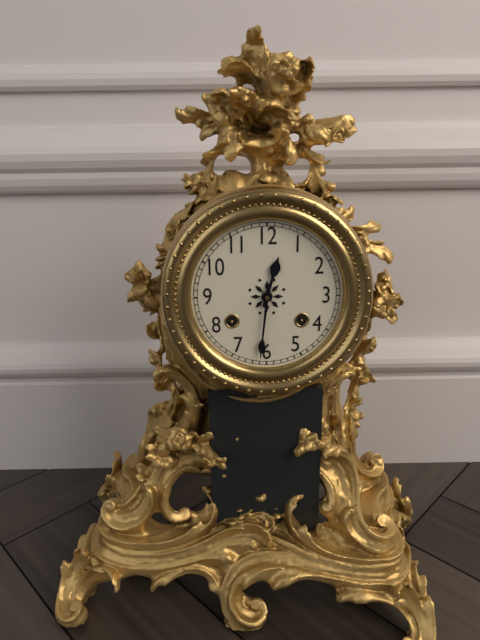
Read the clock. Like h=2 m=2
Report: h=12 m=31
